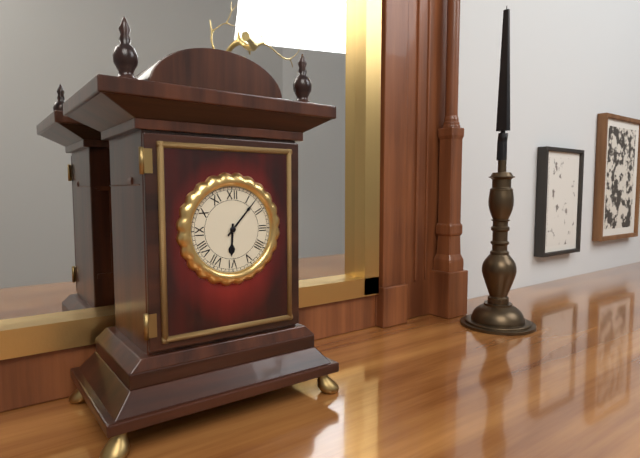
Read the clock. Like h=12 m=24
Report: h=6 m=7
